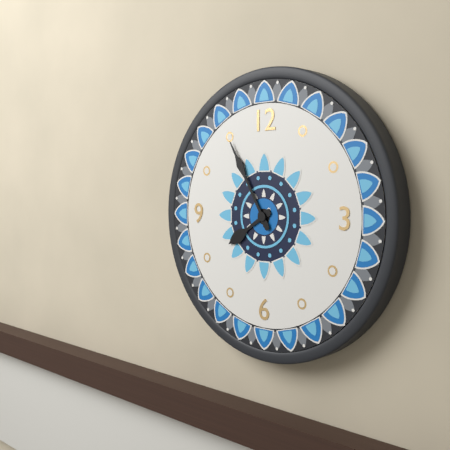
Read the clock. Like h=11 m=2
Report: h=7 m=55
